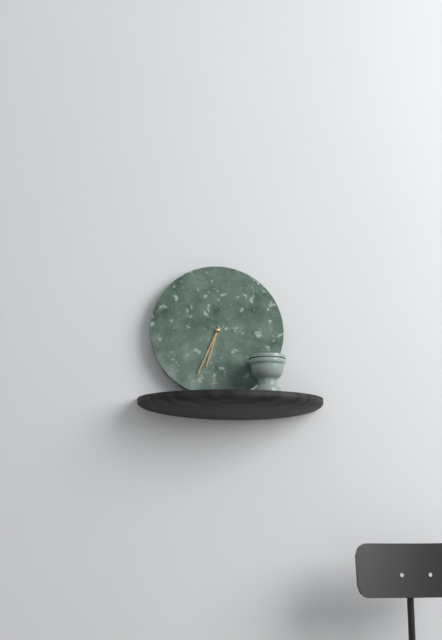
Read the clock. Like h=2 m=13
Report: h=6 m=34
